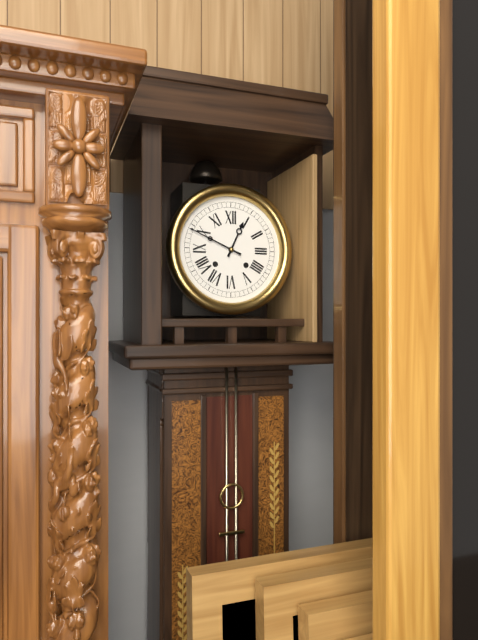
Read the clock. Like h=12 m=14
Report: h=12 m=49
